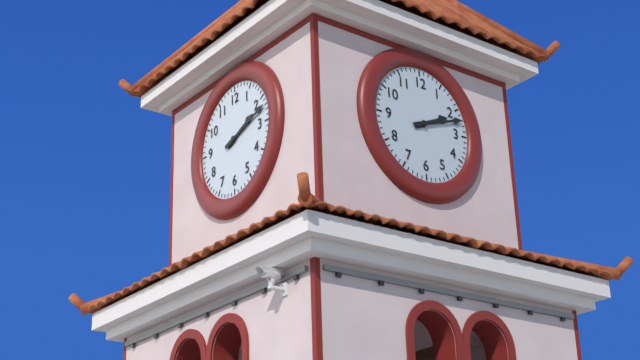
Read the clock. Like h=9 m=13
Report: h=2 m=12
